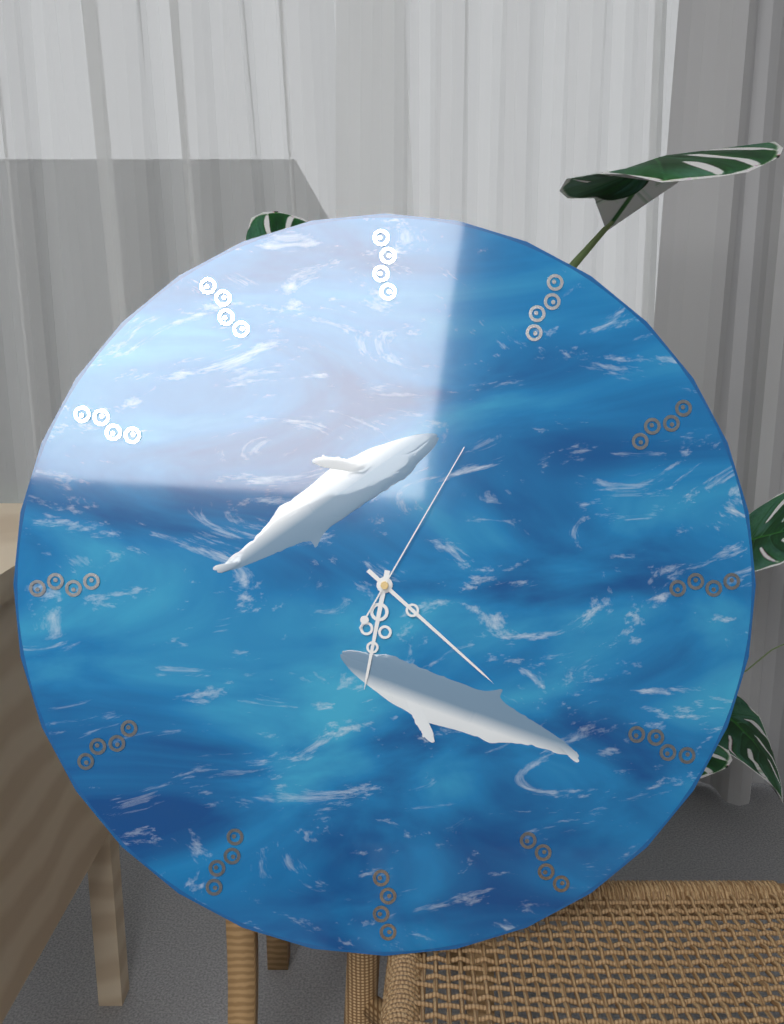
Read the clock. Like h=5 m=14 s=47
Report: h=6 m=22 s=5
